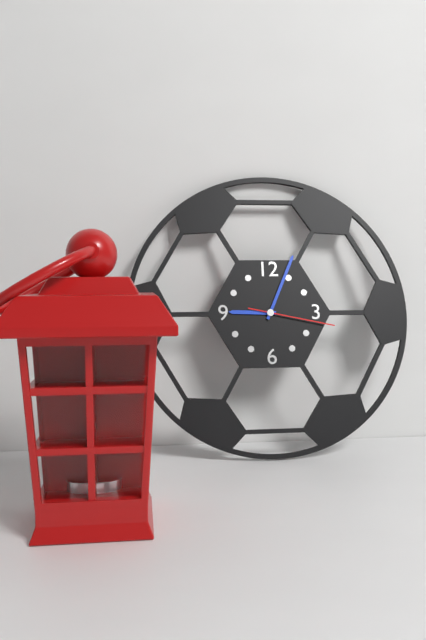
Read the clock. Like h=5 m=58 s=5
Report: h=9 m=4 s=17
